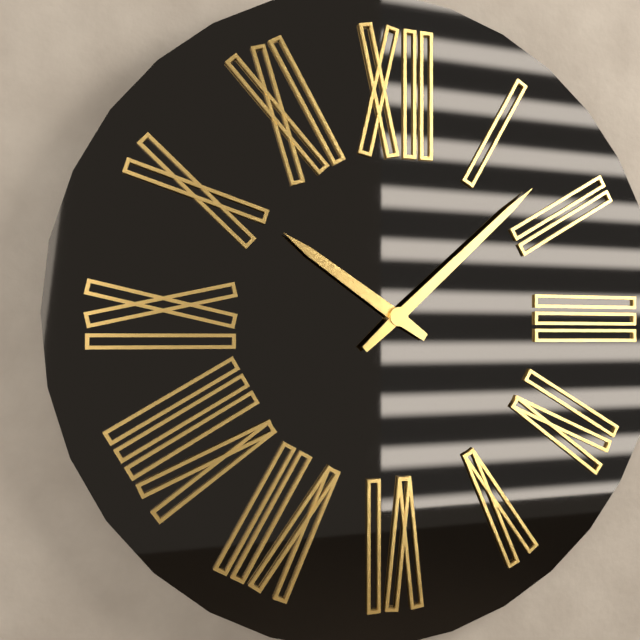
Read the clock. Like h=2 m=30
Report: h=10 m=8
